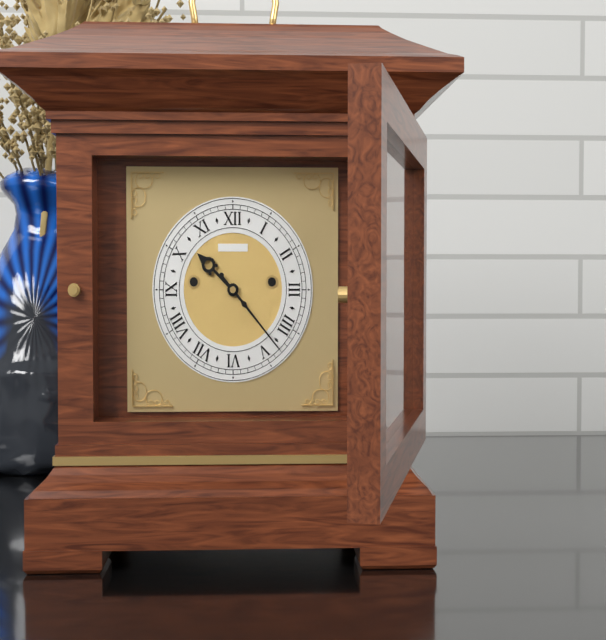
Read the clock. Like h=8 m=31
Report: h=10 m=23
